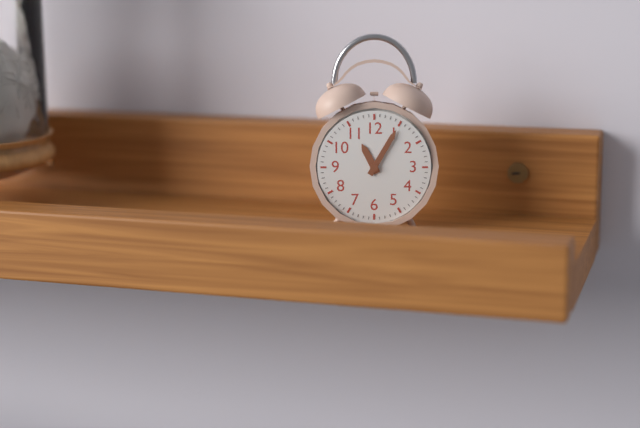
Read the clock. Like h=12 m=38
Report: h=11 m=5
